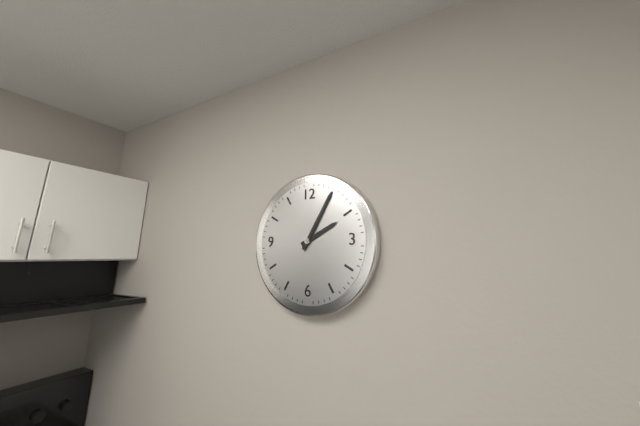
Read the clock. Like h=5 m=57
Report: h=2 m=5
